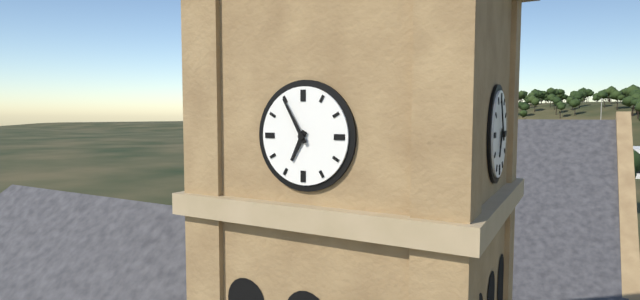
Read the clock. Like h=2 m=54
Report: h=6 m=55
